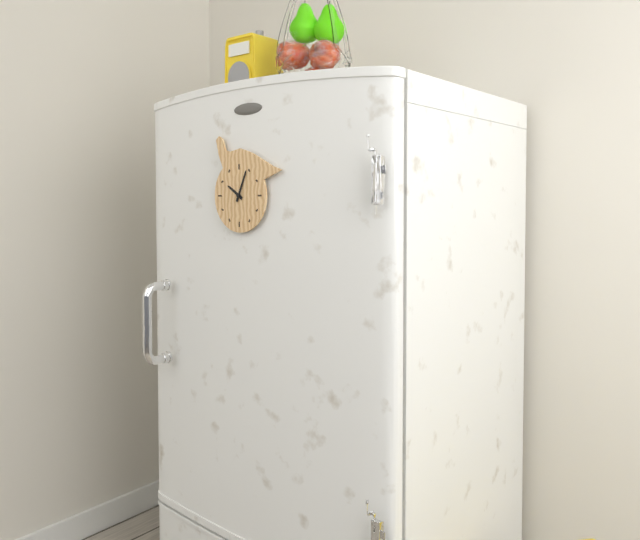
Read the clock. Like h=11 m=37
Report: h=10 m=4
